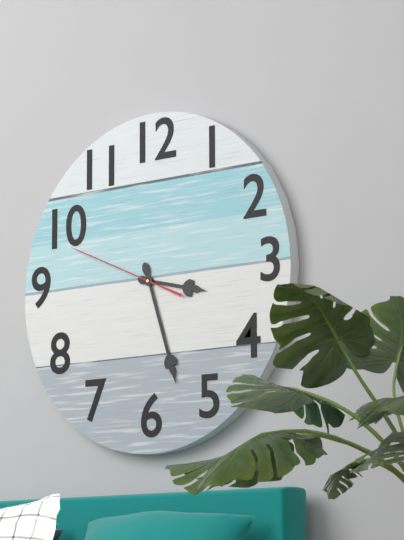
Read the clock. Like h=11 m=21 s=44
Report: h=3 m=27 s=49
